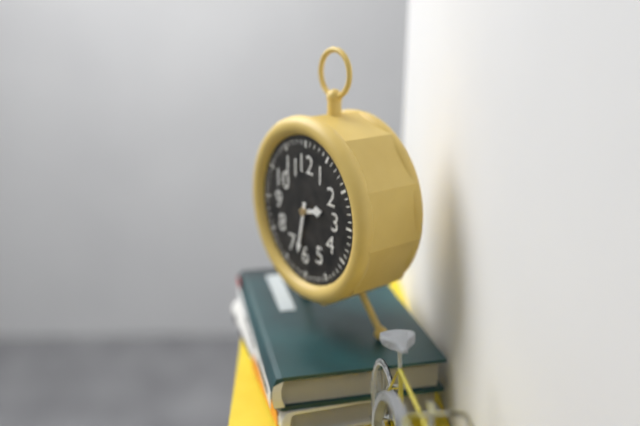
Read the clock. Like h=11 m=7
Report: h=2 m=32
